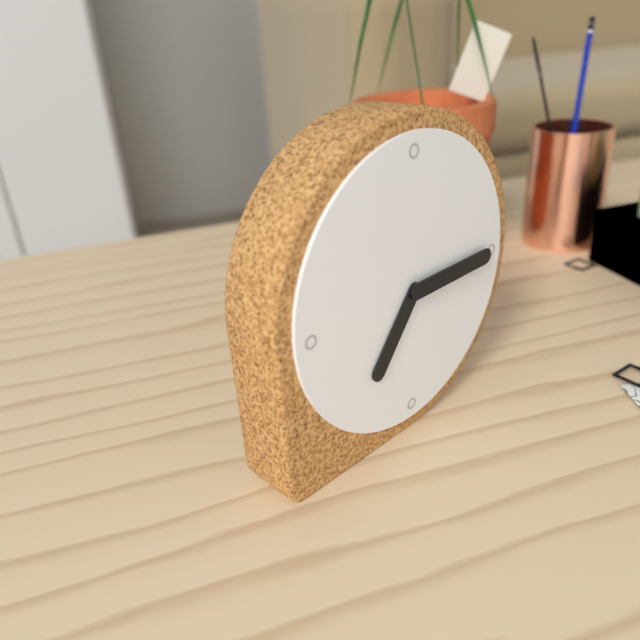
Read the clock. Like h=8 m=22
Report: h=7 m=15
